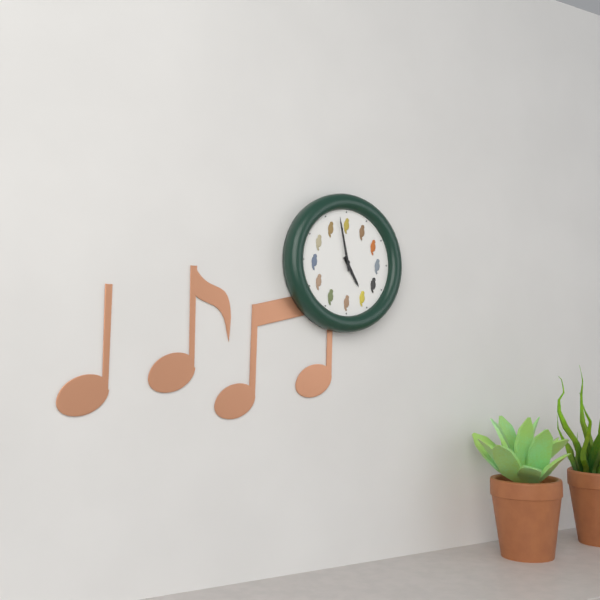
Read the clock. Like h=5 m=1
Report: h=4 m=58
